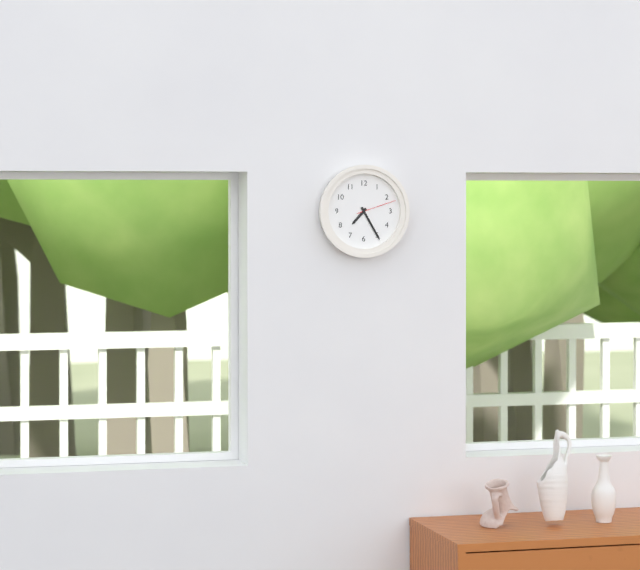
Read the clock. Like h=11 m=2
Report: h=7 m=25
